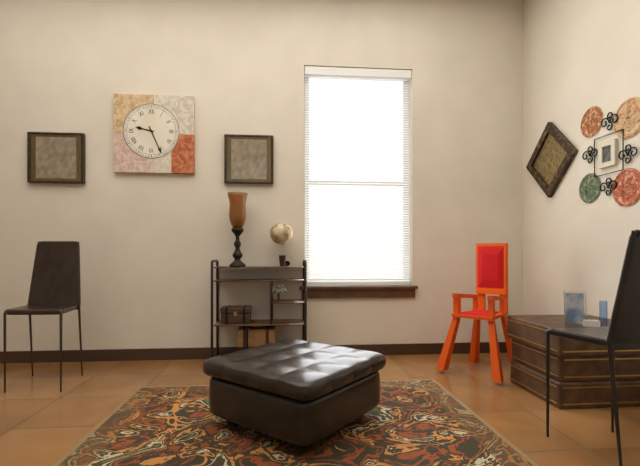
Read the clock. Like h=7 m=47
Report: h=9 m=26
